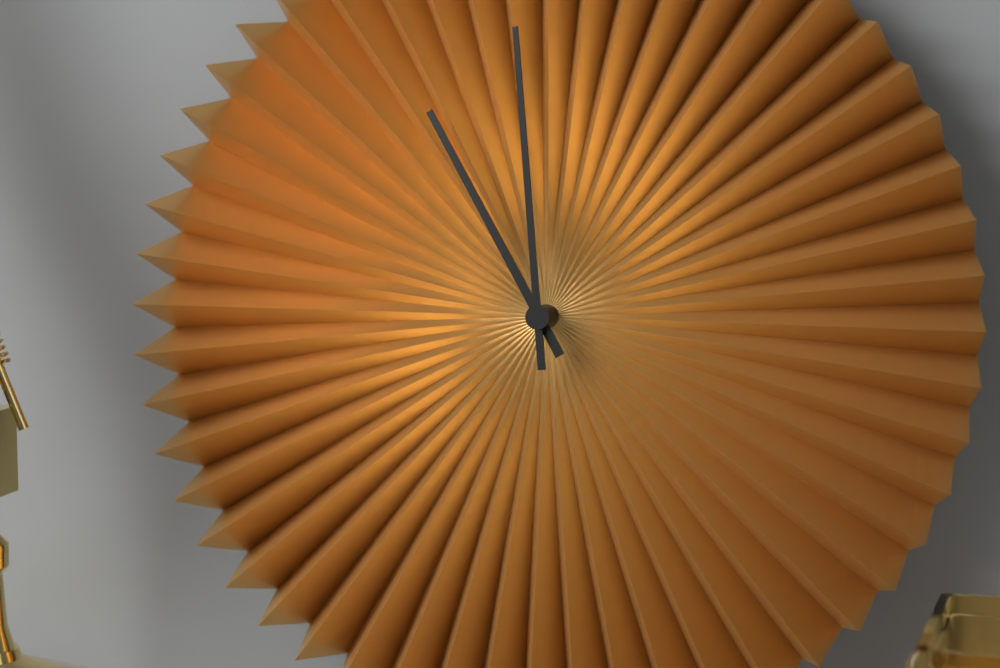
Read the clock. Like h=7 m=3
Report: h=10 m=59
